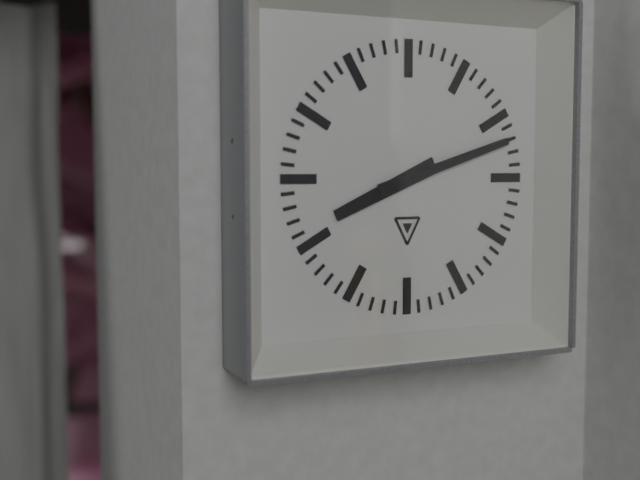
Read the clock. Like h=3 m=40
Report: h=8 m=12
